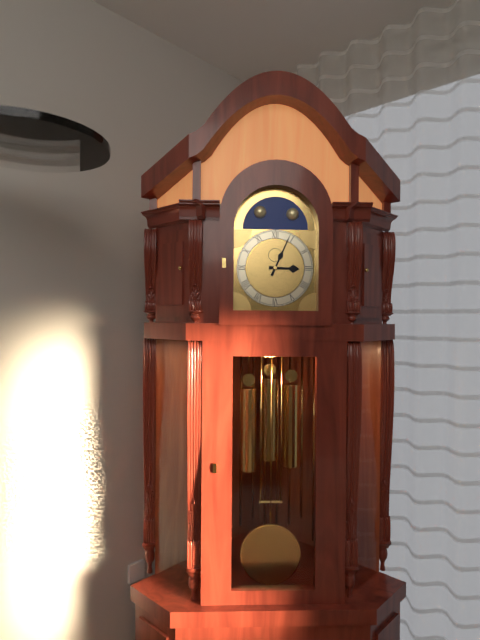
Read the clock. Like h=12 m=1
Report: h=3 m=4
